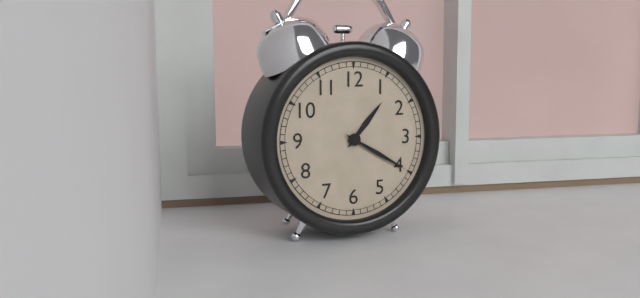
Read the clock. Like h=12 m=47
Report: h=1 m=20
